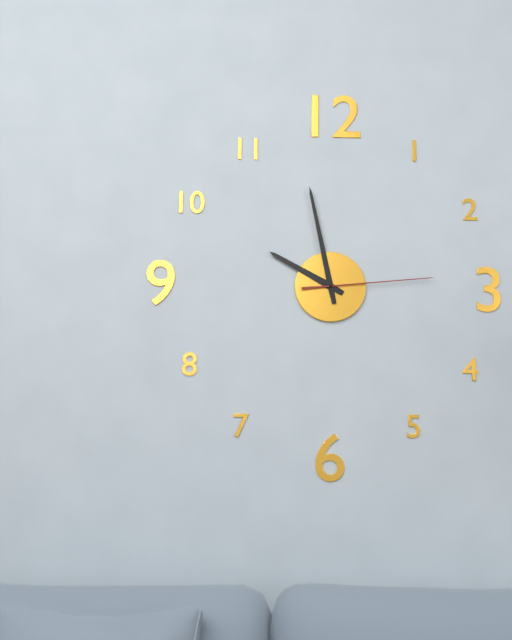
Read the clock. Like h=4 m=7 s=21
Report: h=9 m=58 s=14
